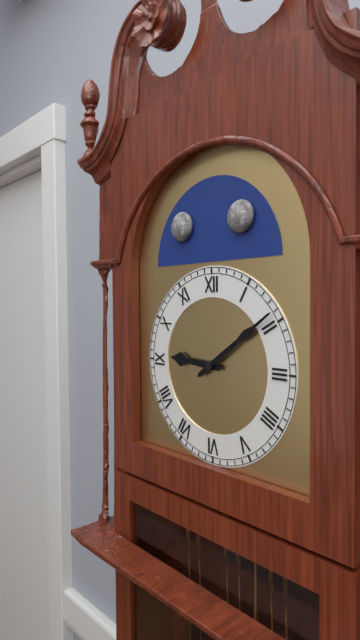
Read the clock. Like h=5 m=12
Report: h=9 m=9
